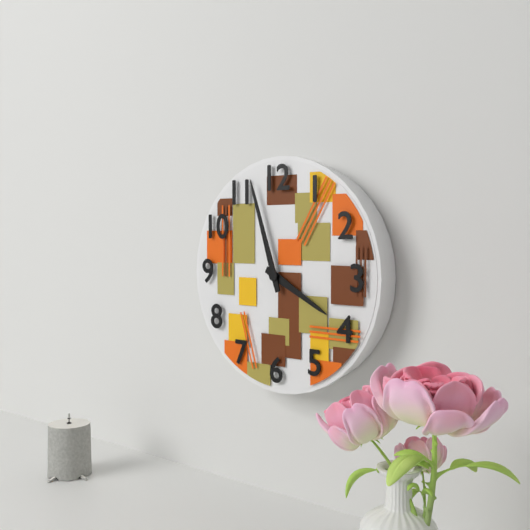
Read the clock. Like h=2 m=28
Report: h=3 m=57
